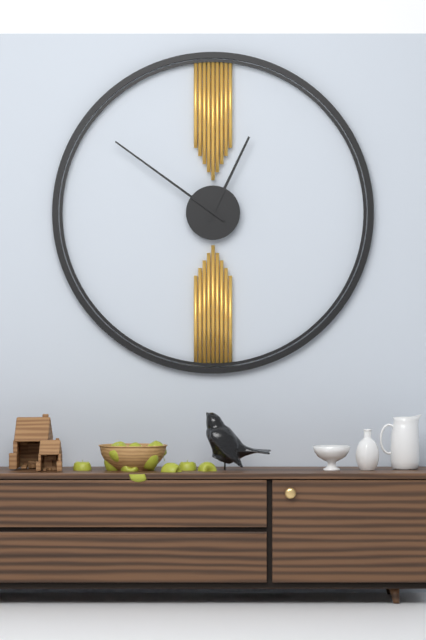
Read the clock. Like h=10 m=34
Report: h=12 m=51
